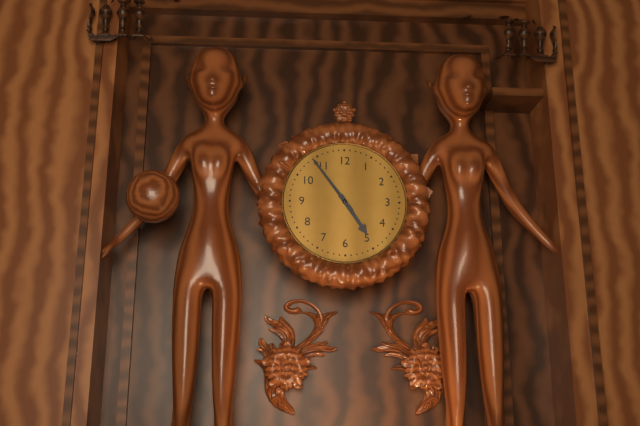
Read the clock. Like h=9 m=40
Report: h=4 m=54
